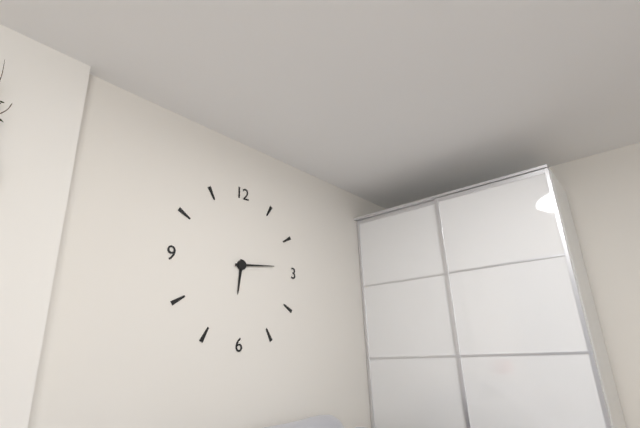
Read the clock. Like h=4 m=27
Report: h=6 m=14
